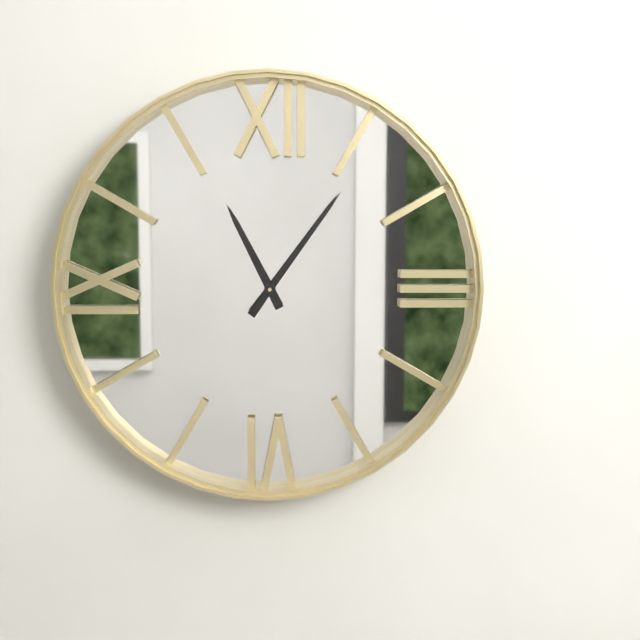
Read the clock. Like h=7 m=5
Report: h=11 m=6
